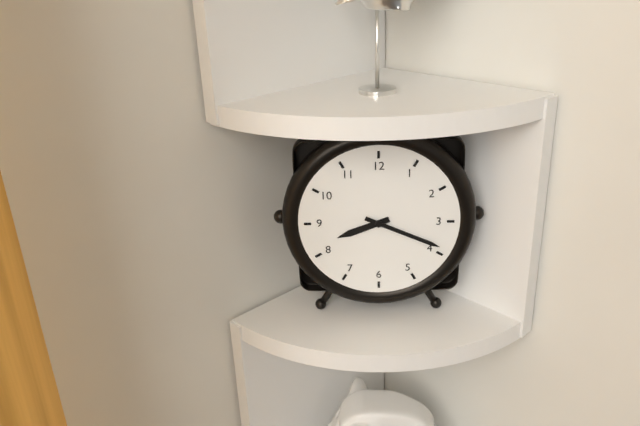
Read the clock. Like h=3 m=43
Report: h=8 m=19
